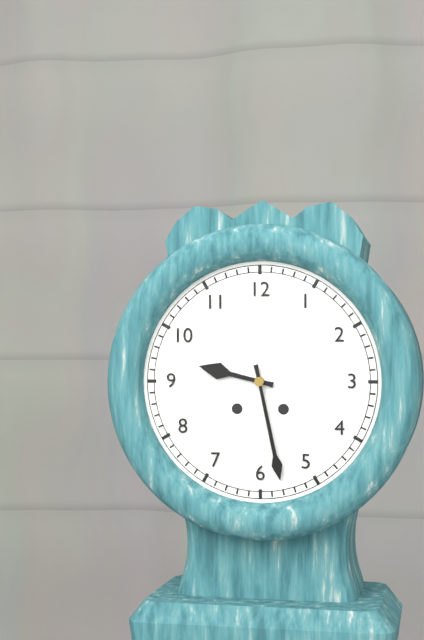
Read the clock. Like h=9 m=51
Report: h=9 m=28
